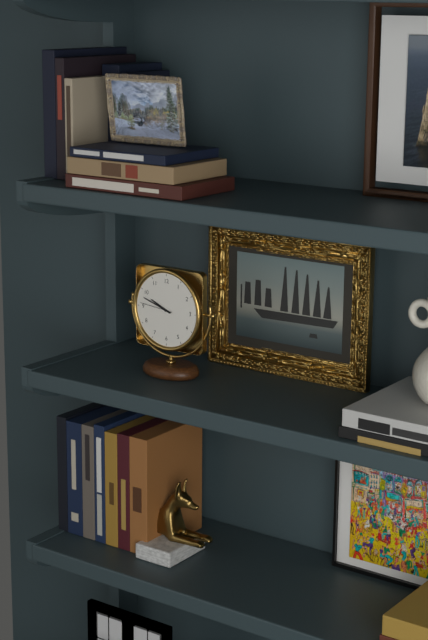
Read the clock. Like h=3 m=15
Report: h=9 m=48
